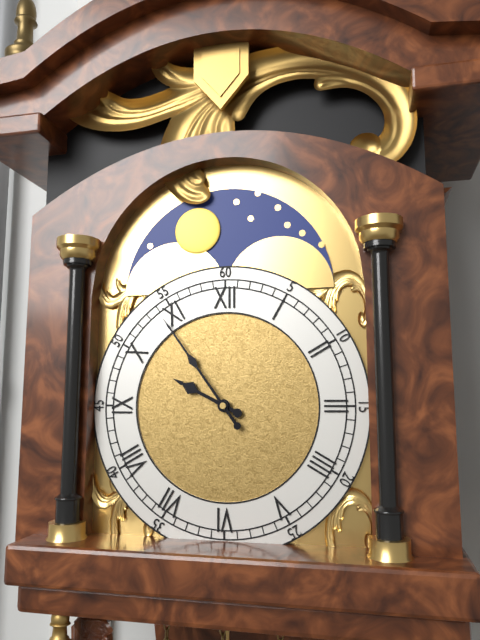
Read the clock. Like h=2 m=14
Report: h=9 m=54
